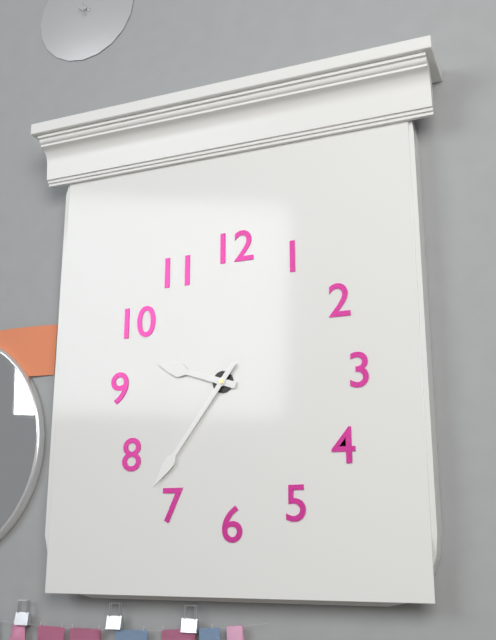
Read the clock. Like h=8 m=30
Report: h=9 m=36
